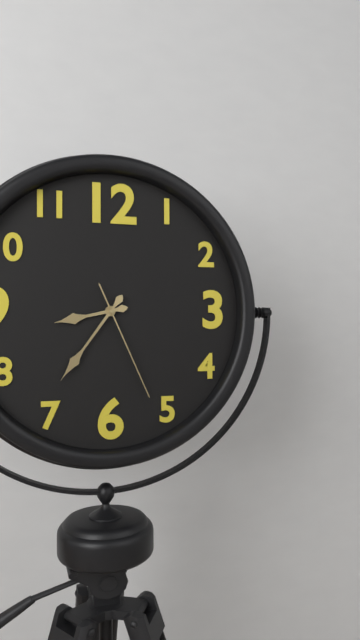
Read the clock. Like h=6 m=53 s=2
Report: h=8 m=36 s=26
